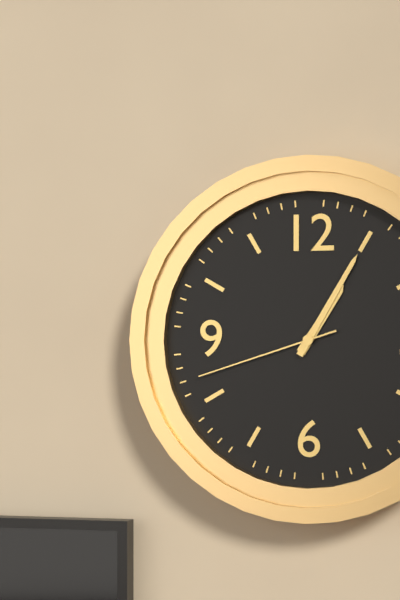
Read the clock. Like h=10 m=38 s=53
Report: h=1 m=5 s=42
